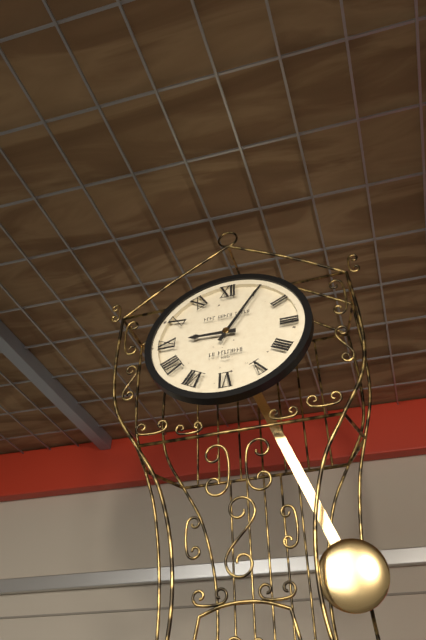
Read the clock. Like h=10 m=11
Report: h=9 m=5
